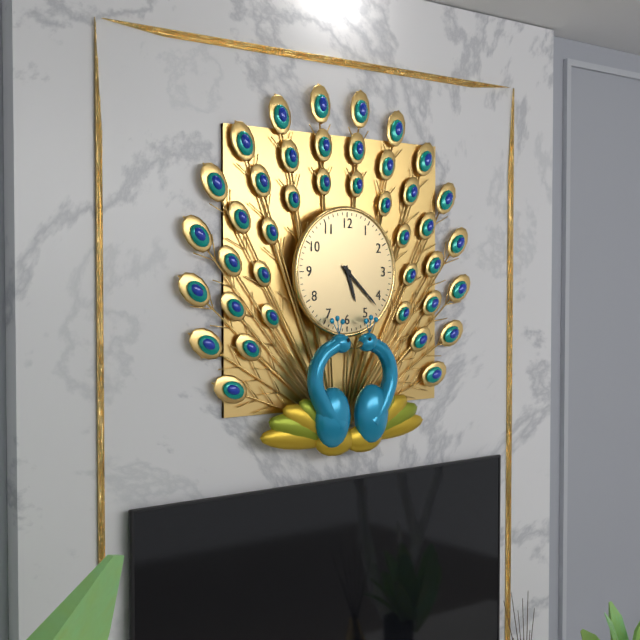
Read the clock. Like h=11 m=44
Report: h=5 m=22
